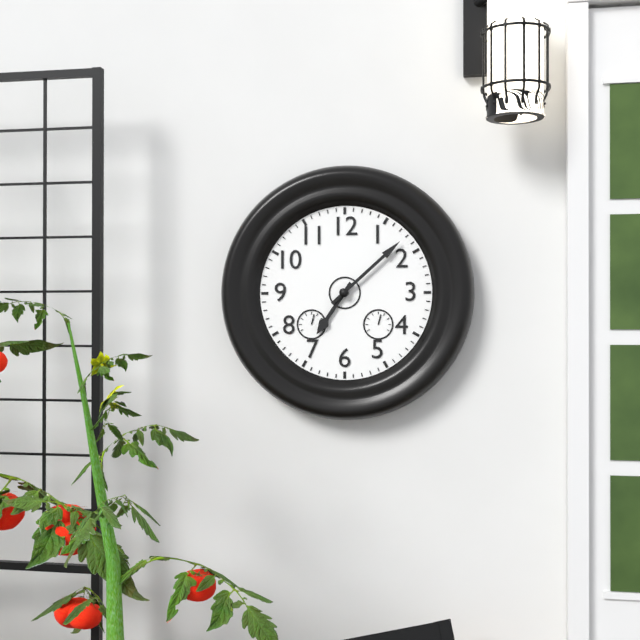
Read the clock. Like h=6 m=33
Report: h=7 m=8
